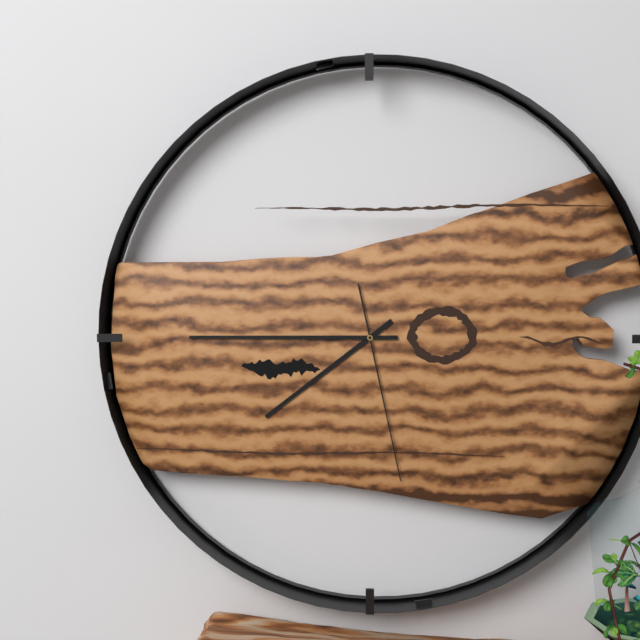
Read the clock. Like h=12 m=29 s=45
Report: h=7 m=45 s=28
